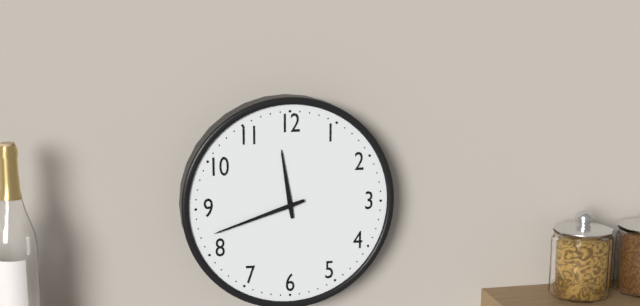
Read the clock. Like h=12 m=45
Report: h=11 m=42
